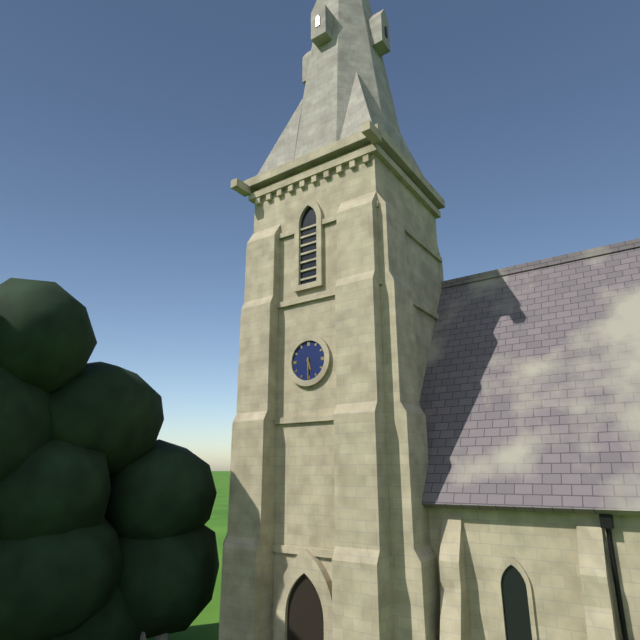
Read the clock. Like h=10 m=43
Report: h=5 m=30
